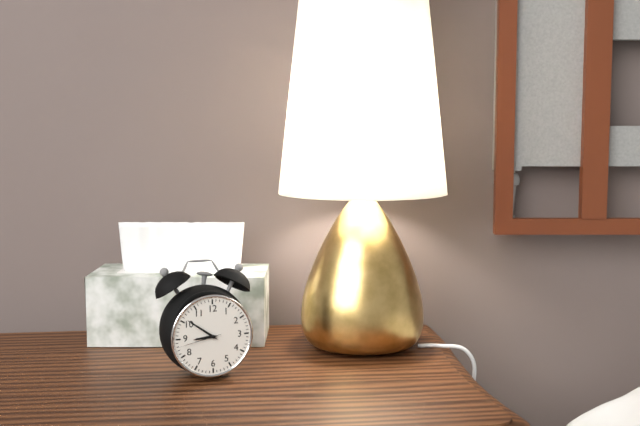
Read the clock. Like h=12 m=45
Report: h=8 m=51
